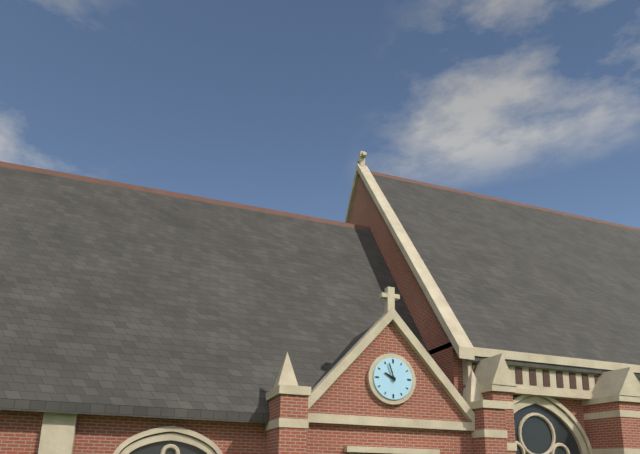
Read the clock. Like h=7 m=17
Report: h=9 m=57
